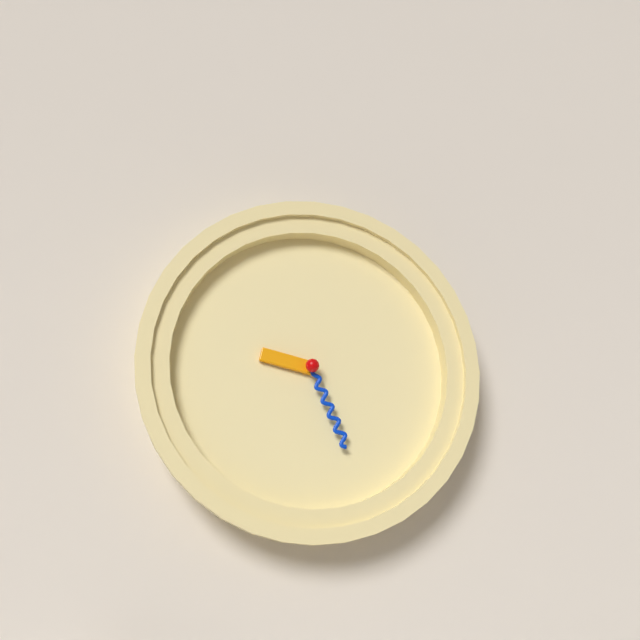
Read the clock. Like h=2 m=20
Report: h=9 m=26
